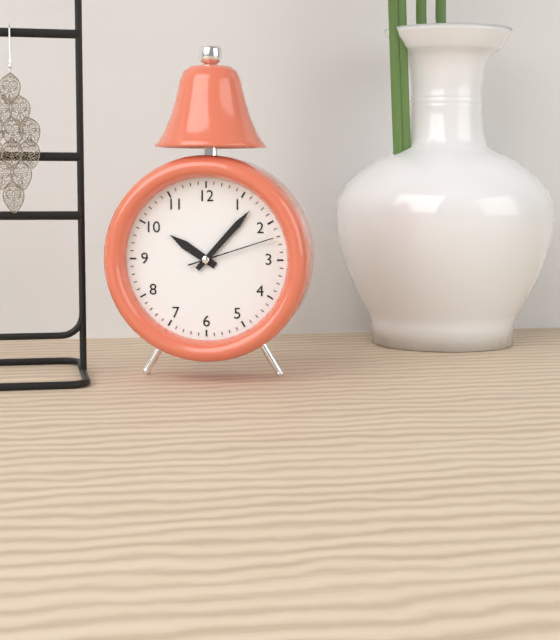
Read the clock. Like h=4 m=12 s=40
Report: h=10 m=7 s=12
